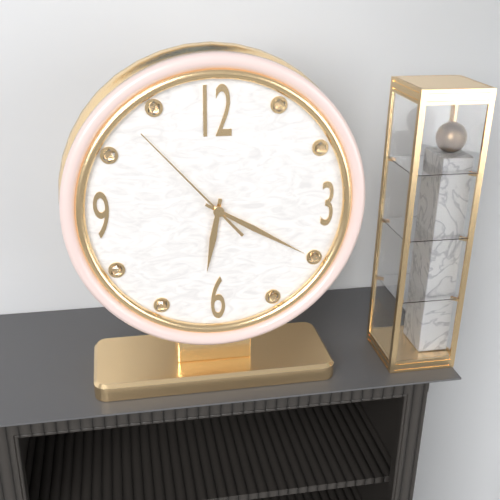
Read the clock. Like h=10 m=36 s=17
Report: h=6 m=20 s=53
